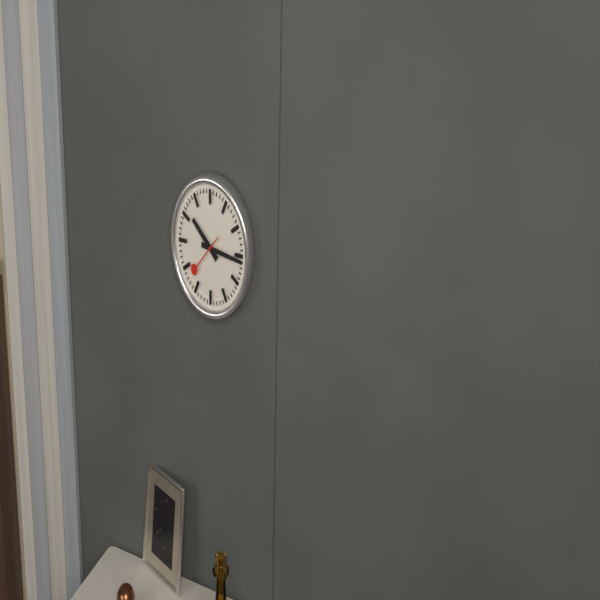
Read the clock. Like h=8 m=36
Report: h=10 m=16
